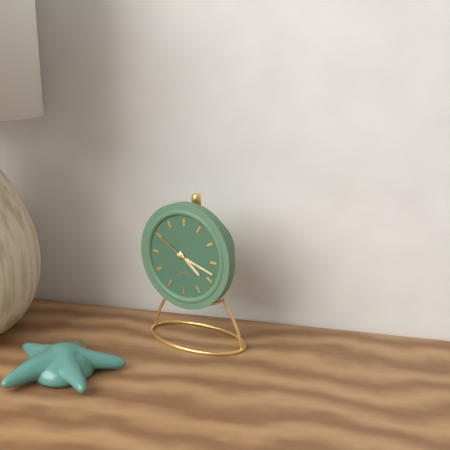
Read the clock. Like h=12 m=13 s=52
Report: h=4 m=18 s=50
